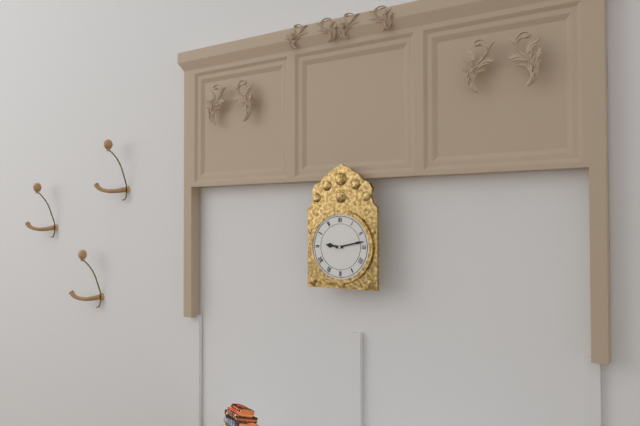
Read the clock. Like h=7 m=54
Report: h=9 m=13
